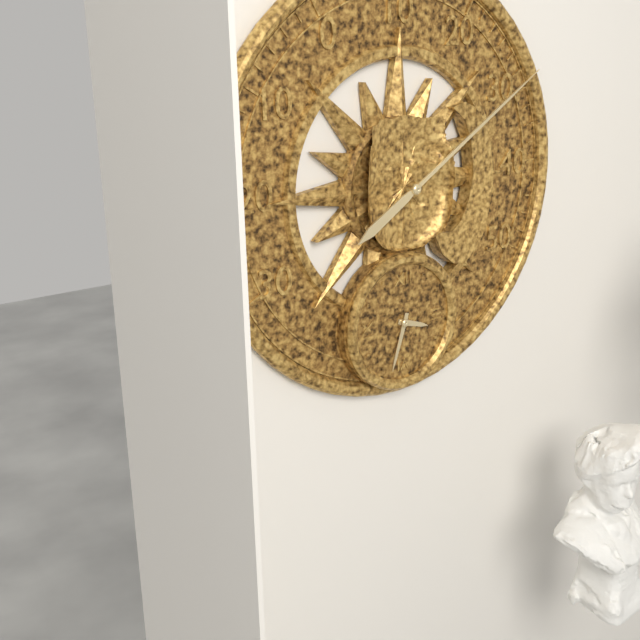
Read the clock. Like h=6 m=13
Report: h=3 m=33
